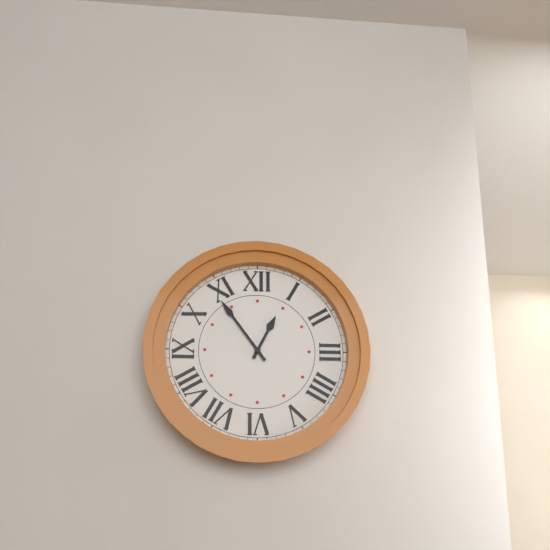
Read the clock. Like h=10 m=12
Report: h=12 m=54
